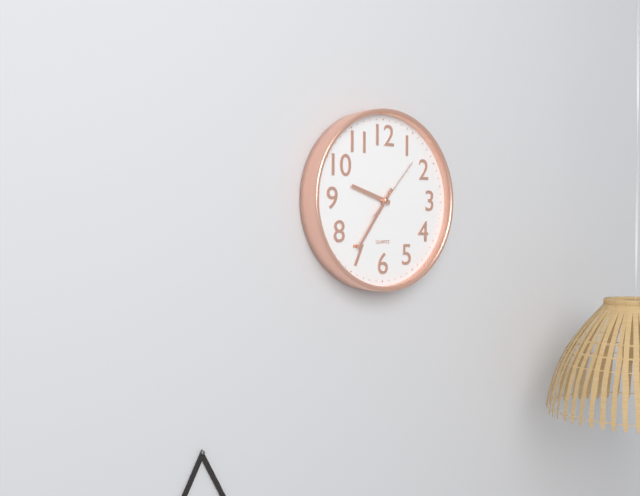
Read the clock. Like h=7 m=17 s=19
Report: h=9 m=36 s=7
